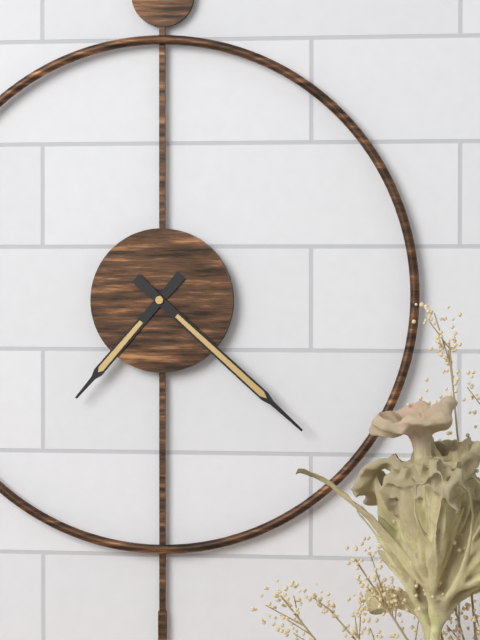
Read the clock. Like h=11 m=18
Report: h=7 m=22
